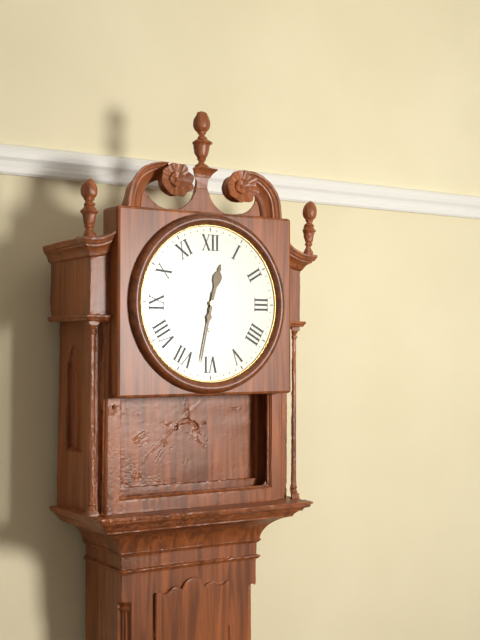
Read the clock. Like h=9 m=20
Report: h=12 m=32
